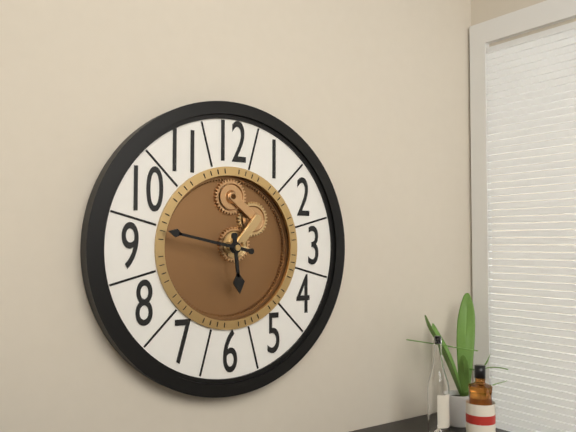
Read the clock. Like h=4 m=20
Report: h=5 m=47
